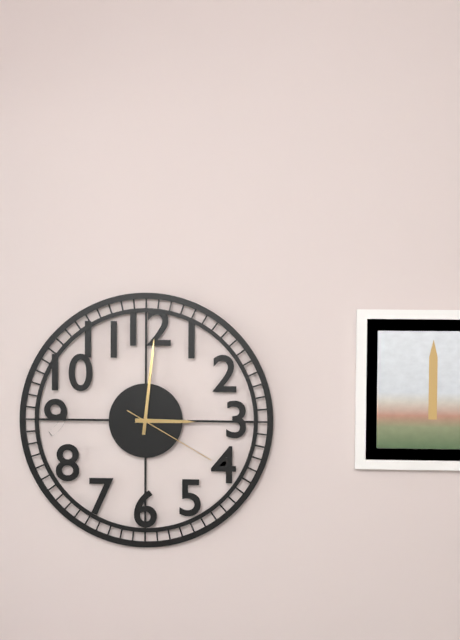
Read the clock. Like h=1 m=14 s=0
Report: h=3 m=1 s=20
